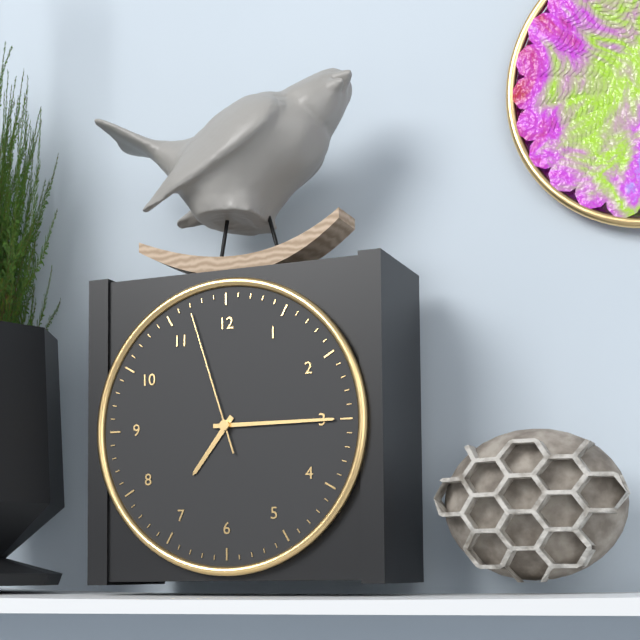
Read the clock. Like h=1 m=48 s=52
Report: h=7 m=15 s=57
